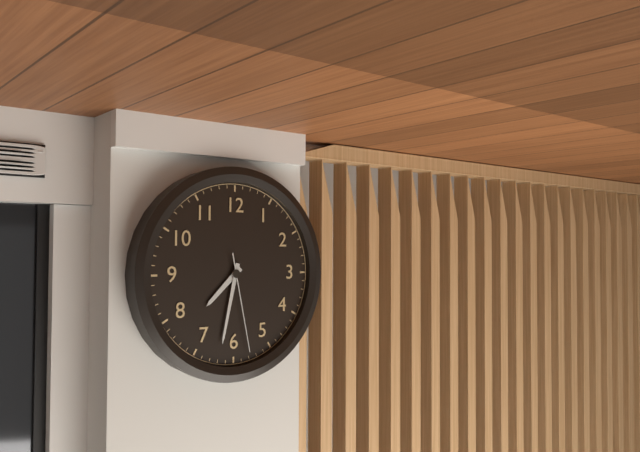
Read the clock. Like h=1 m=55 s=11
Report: h=7 m=32 s=28
